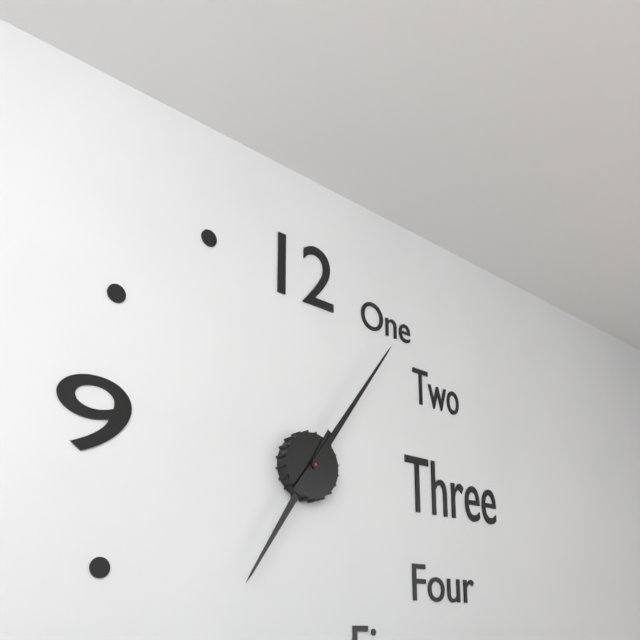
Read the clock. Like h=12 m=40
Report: h=7 m=6
